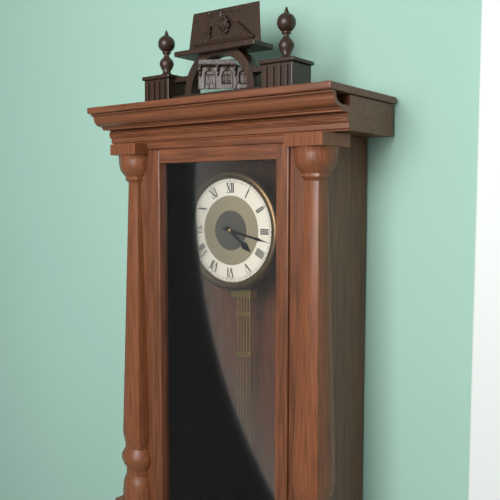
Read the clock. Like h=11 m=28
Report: h=4 m=17
